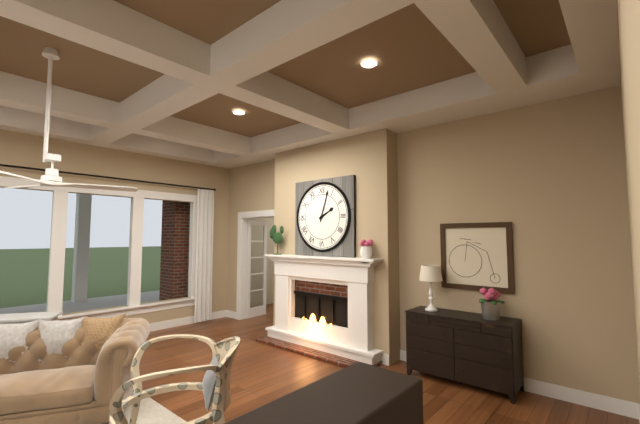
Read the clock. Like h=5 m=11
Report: h=2 m=3
